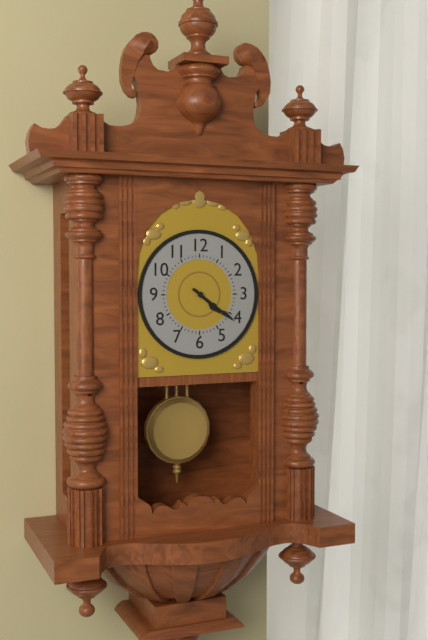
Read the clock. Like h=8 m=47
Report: h=4 m=21
